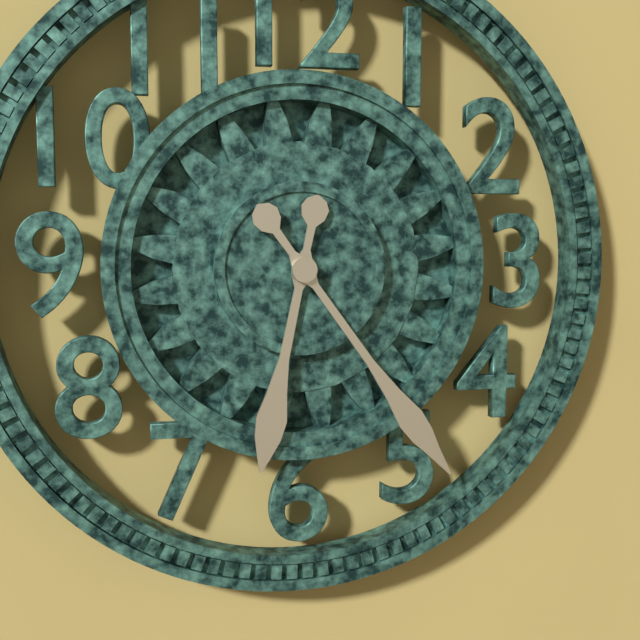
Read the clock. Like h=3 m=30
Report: h=6 m=24
